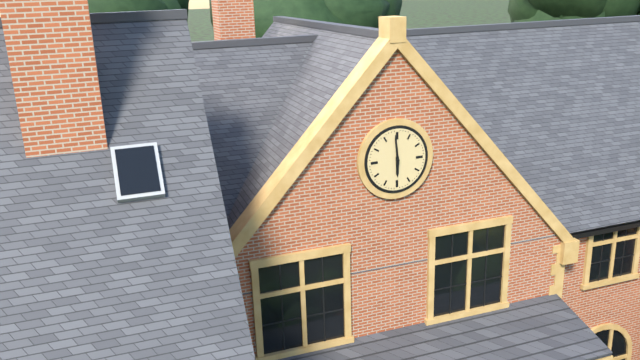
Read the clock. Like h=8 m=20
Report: h=5 m=59
